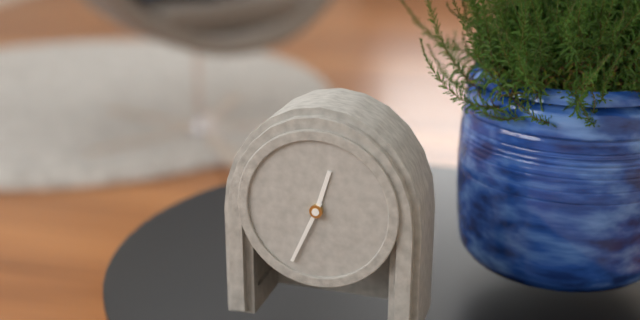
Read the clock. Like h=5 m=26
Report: h=12 m=34
